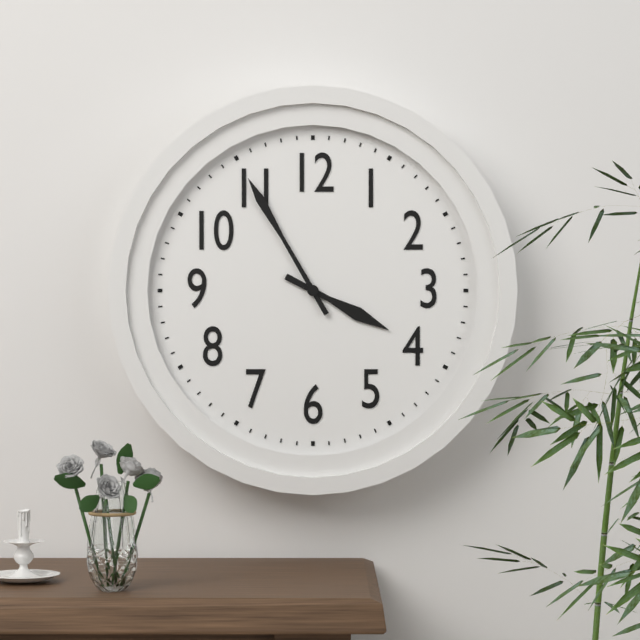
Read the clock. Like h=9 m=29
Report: h=3 m=55
